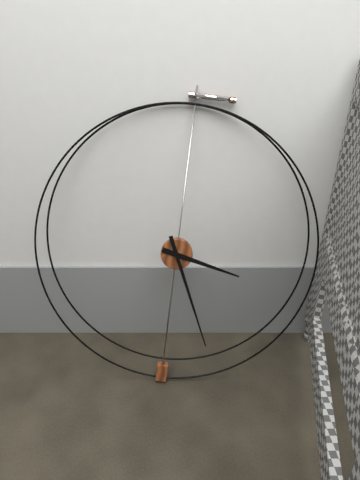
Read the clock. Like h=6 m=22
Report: h=3 m=26
